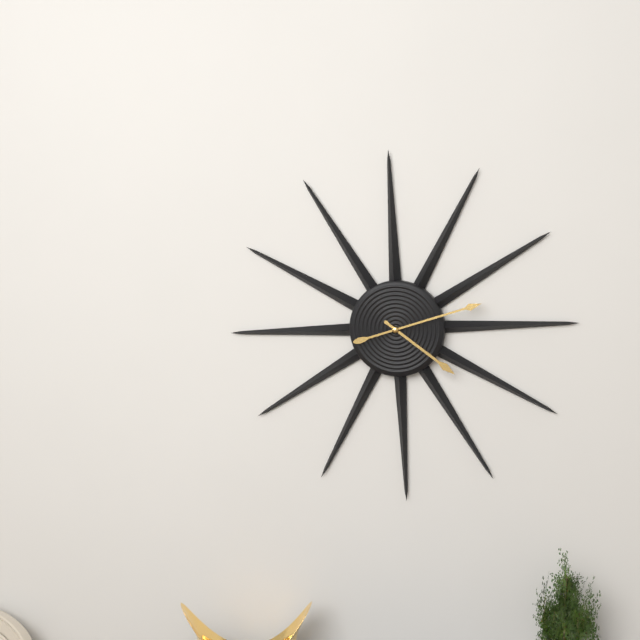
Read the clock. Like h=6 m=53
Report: h=4 m=12
